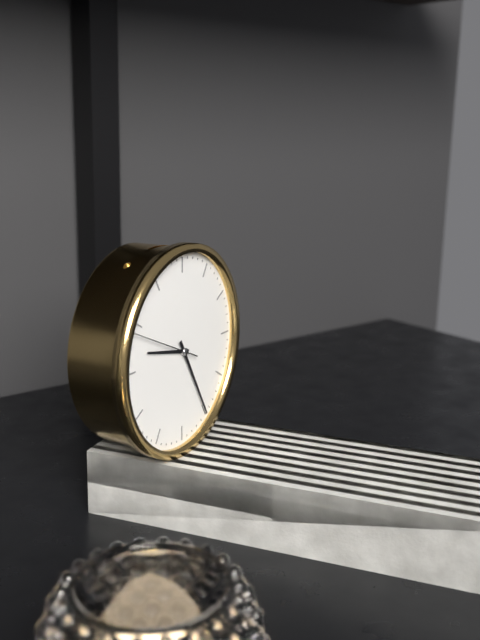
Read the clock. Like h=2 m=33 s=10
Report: h=9 m=25 s=49
